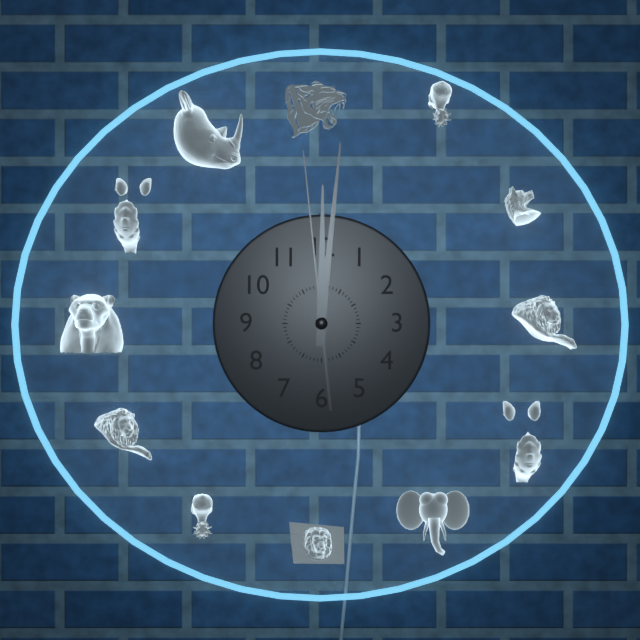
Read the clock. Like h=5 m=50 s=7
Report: h=12 m=1 s=59
